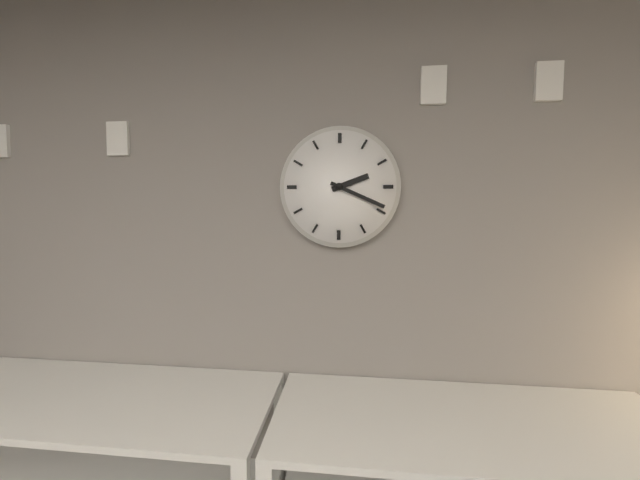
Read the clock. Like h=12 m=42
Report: h=2 m=19
